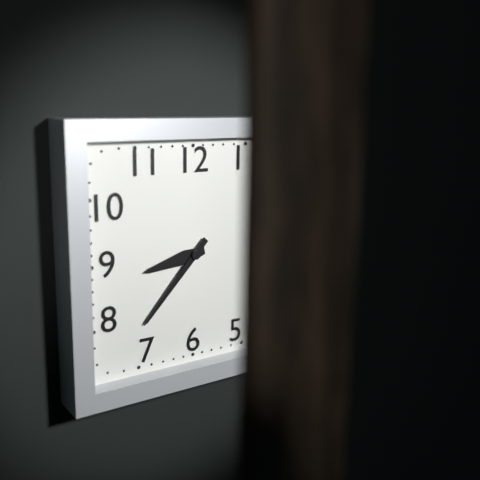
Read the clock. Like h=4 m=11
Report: h=8 m=37
